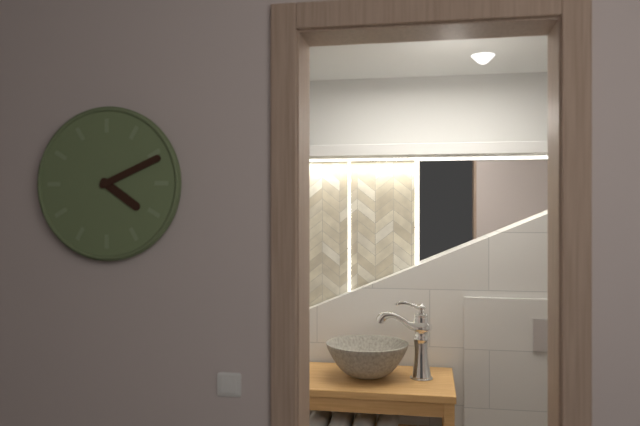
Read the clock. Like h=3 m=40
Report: h=4 m=11
